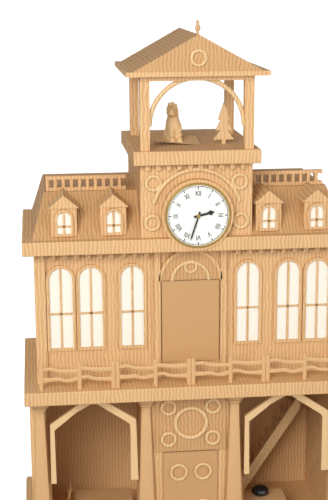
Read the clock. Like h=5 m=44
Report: h=2 m=33
